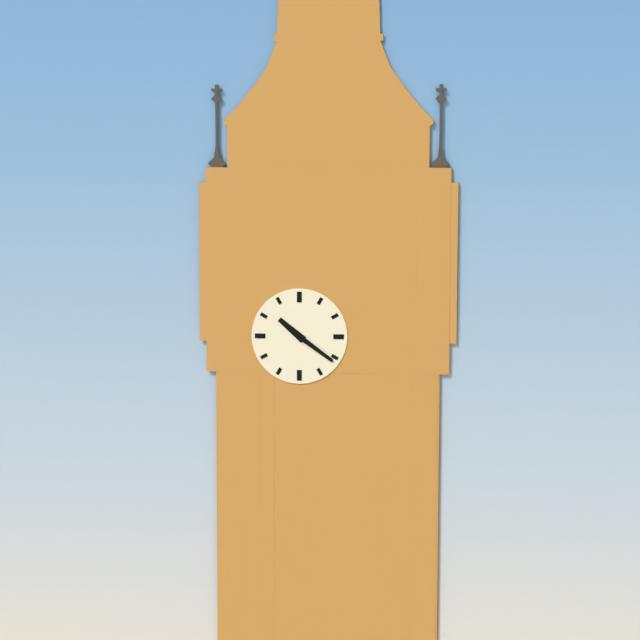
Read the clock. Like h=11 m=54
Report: h=10 m=21
